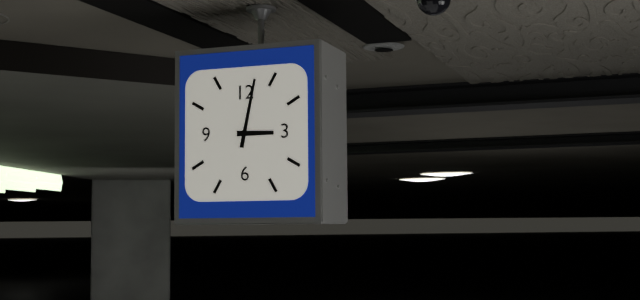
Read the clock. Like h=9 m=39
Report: h=3 m=2
